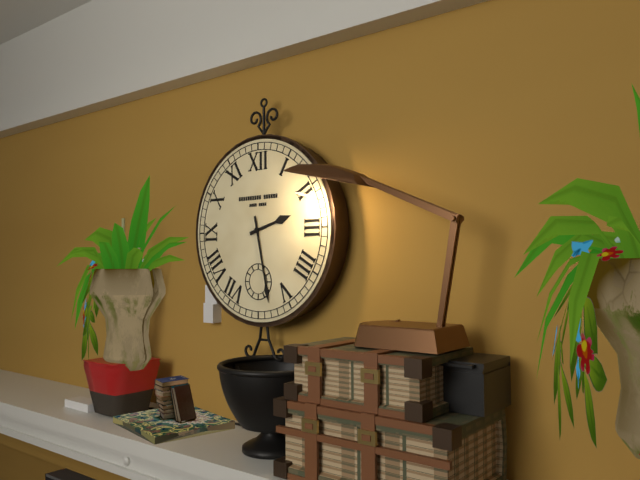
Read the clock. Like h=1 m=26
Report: h=2 m=28
